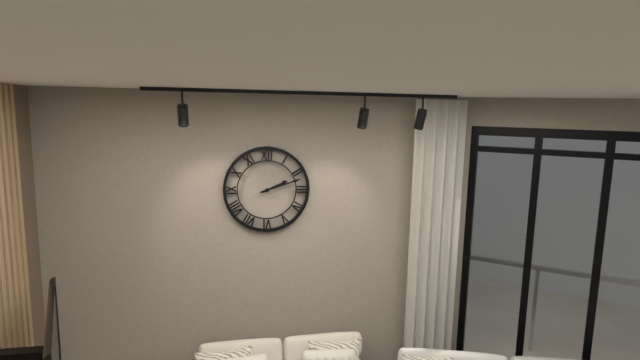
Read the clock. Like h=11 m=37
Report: h=2 m=12
